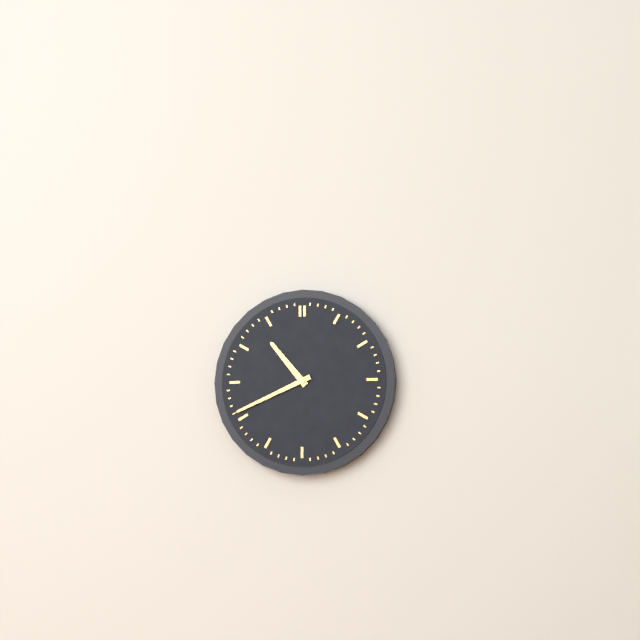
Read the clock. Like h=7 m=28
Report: h=10 m=41
